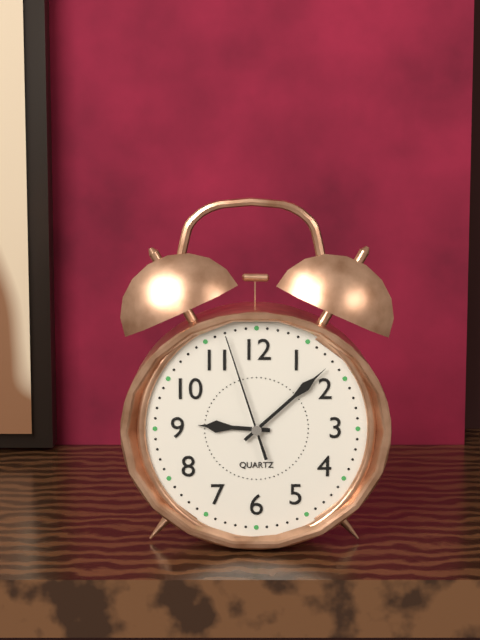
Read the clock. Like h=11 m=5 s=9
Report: h=9 m=8 s=57
